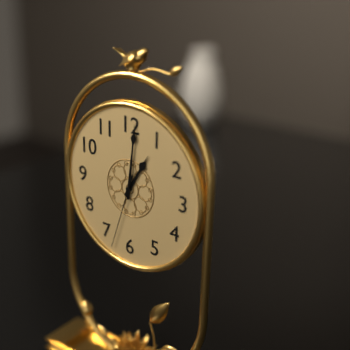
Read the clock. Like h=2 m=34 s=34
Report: h=1 m=1 s=33
